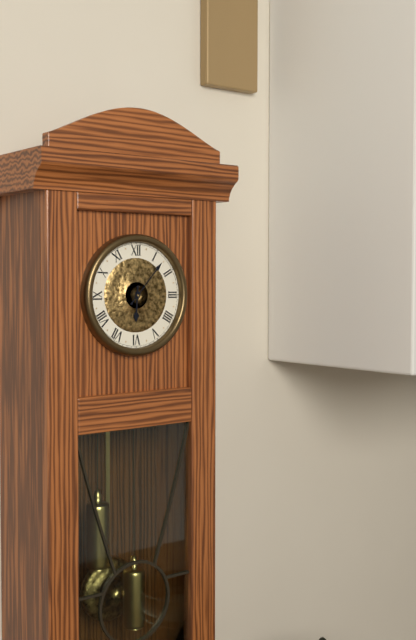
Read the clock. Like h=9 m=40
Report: h=6 m=7
